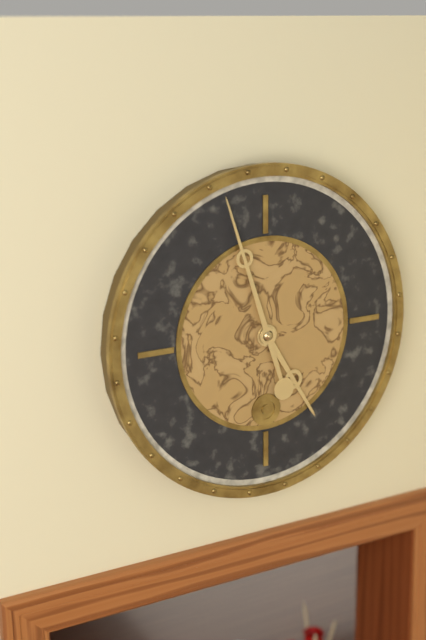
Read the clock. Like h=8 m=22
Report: h=4 m=57
